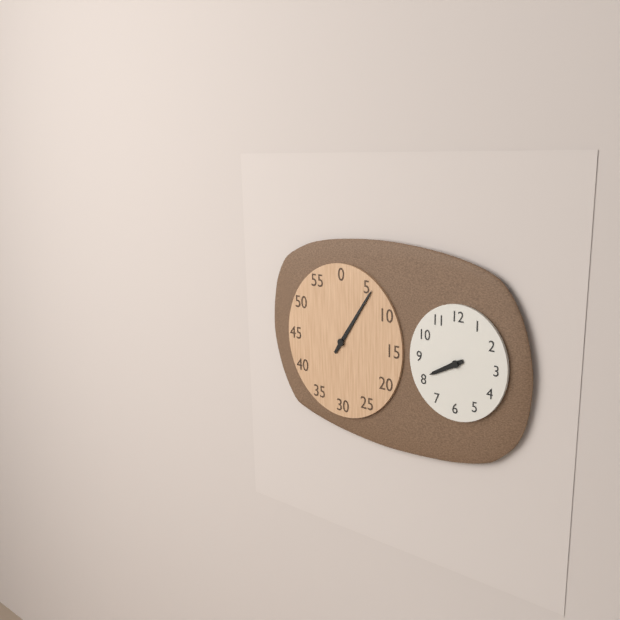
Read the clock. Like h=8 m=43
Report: h=8 m=6
